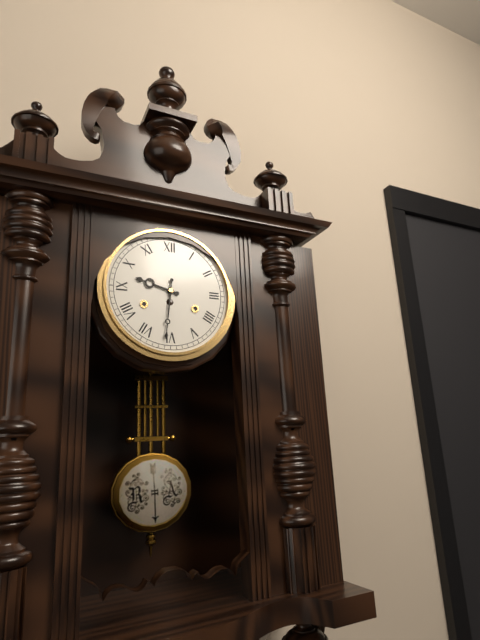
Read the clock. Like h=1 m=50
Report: h=9 m=31
